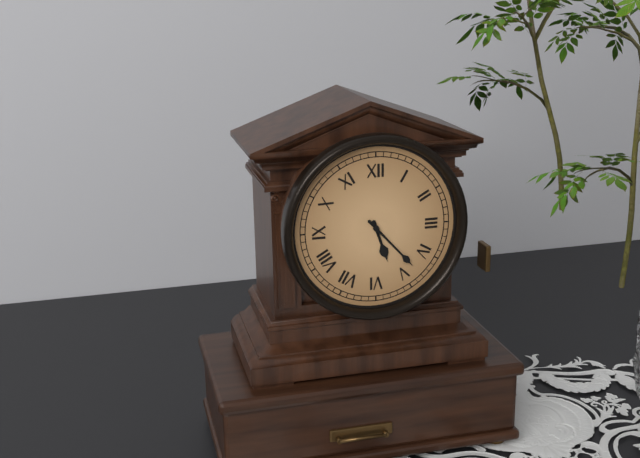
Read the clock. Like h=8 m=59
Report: h=5 m=23
